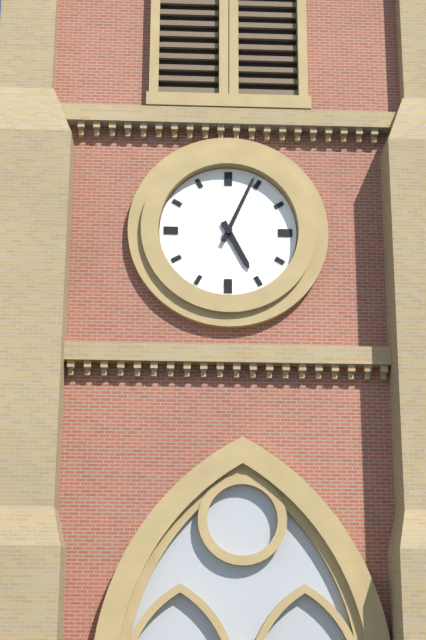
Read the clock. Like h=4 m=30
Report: h=5 m=4
